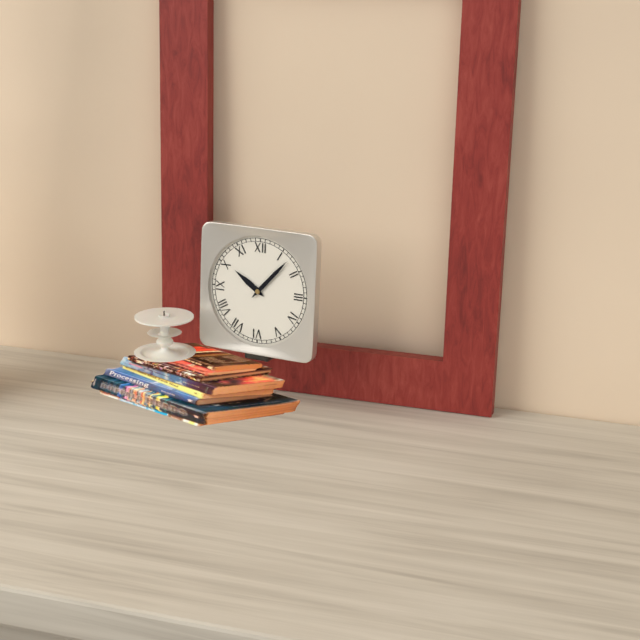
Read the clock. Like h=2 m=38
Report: h=10 m=7
